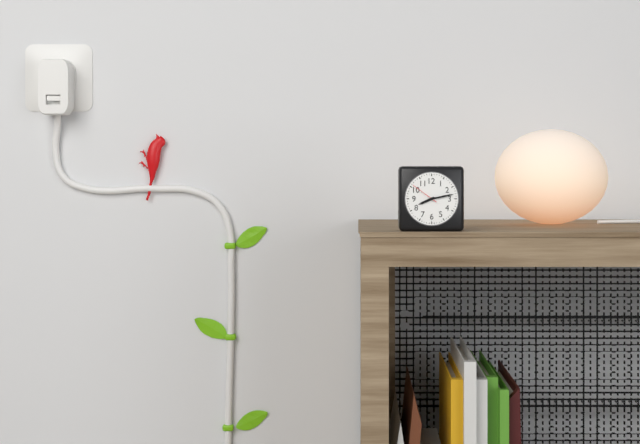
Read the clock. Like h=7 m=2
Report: h=8 m=13
